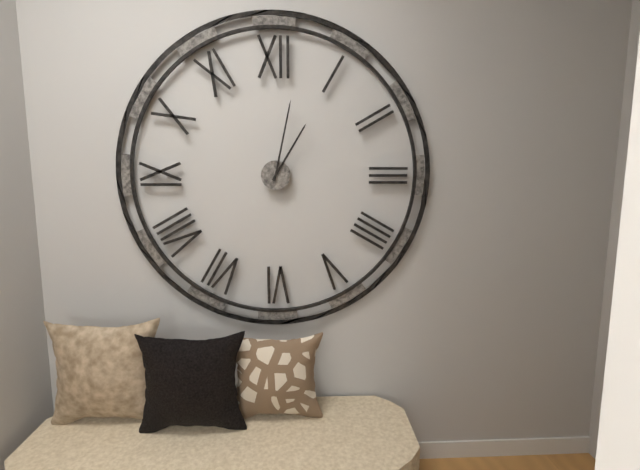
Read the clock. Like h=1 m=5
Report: h=1 m=2
